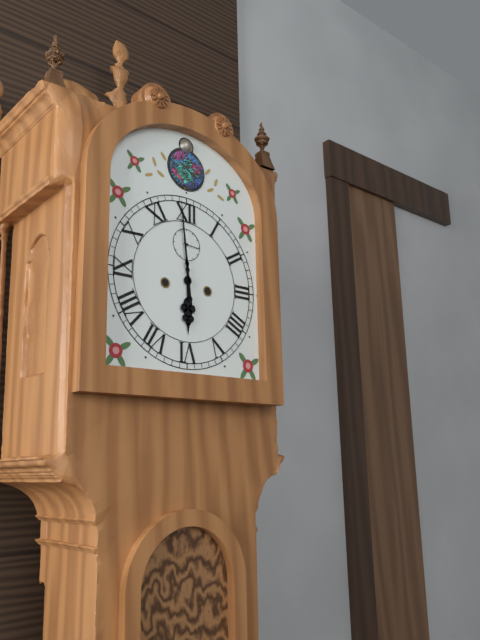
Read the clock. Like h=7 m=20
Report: h=5 m=59
